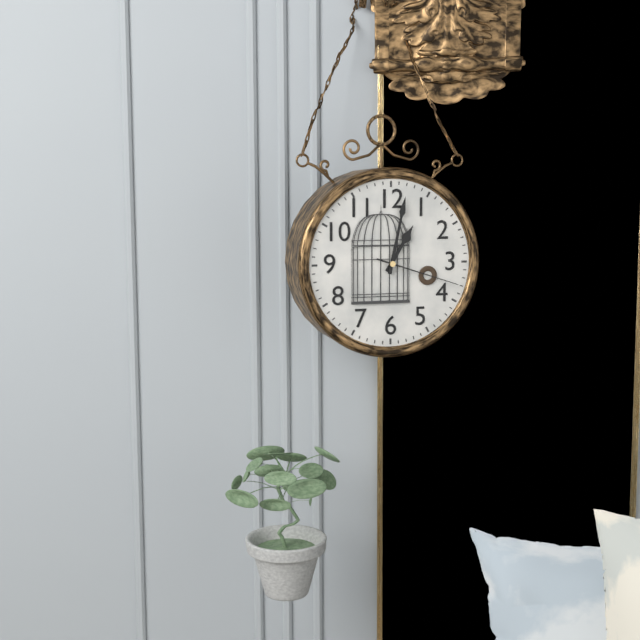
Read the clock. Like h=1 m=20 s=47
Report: h=1 m=2 s=18
